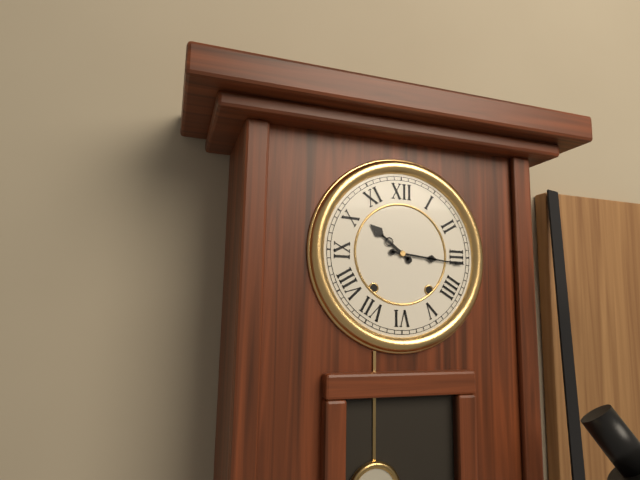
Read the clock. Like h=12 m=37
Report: h=10 m=16
